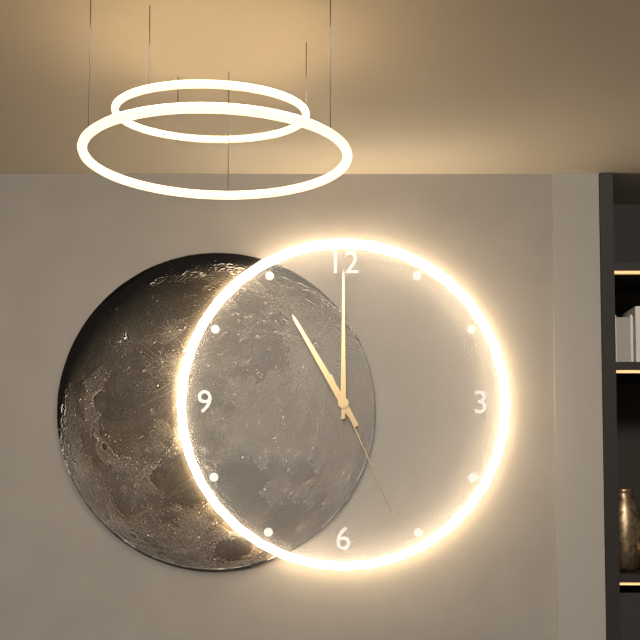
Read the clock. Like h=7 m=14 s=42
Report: h=11 m=0 s=26
